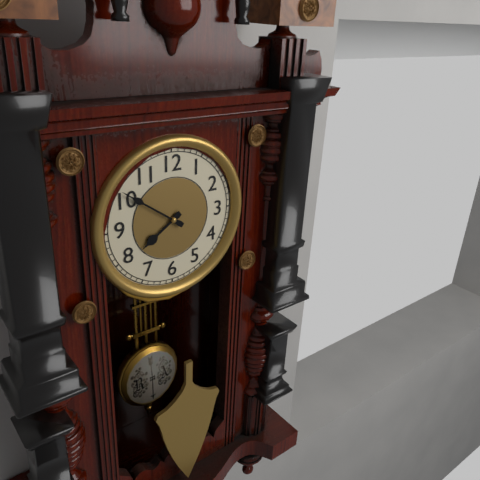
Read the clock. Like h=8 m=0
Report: h=7 m=51
